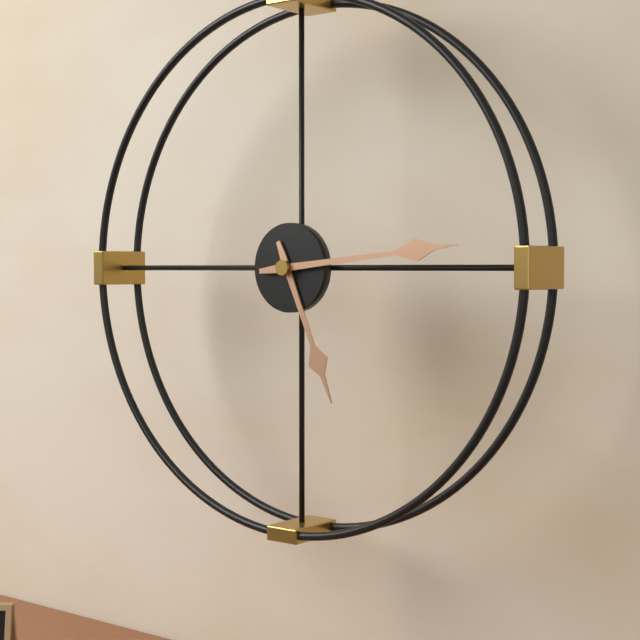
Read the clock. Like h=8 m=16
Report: h=5 m=14
